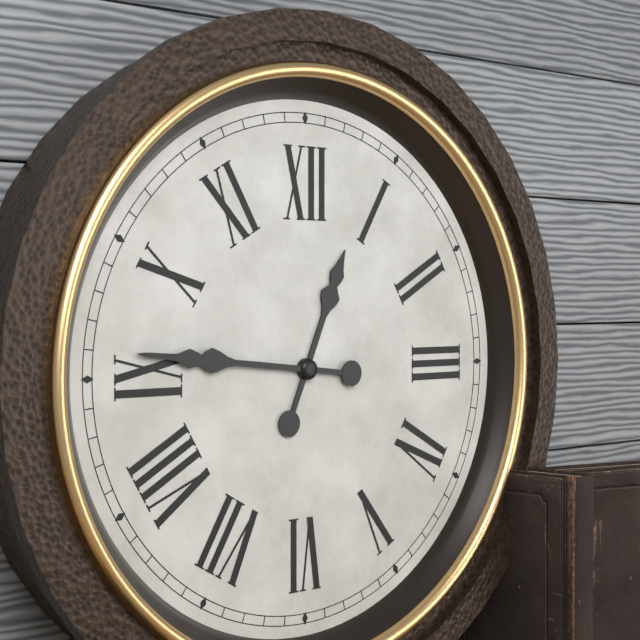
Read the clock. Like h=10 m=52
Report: h=12 m=46
